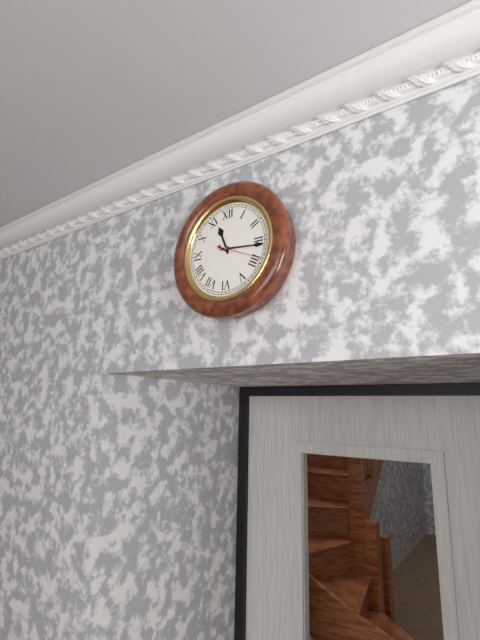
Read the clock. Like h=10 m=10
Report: h=11 m=16
